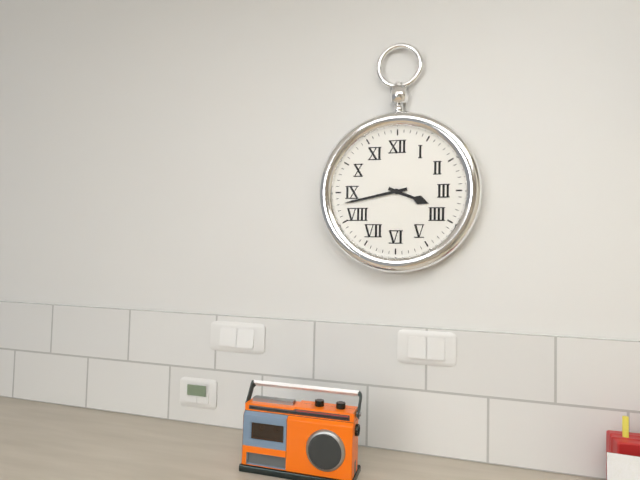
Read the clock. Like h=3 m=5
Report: h=3 m=43
